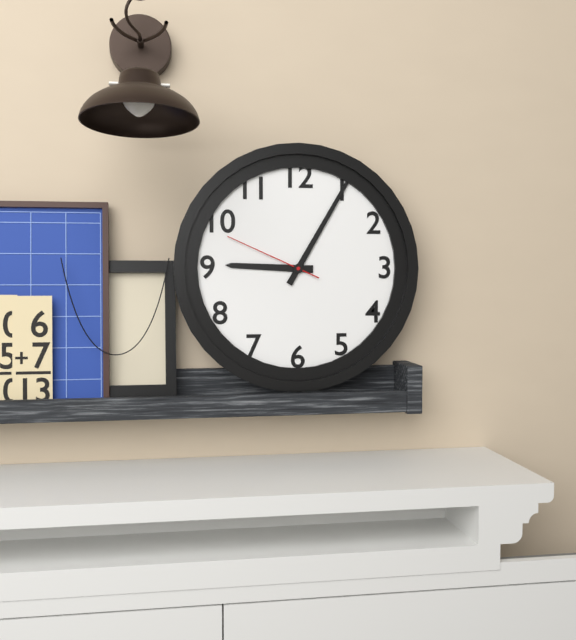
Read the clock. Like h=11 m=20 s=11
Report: h=9 m=5 s=49
